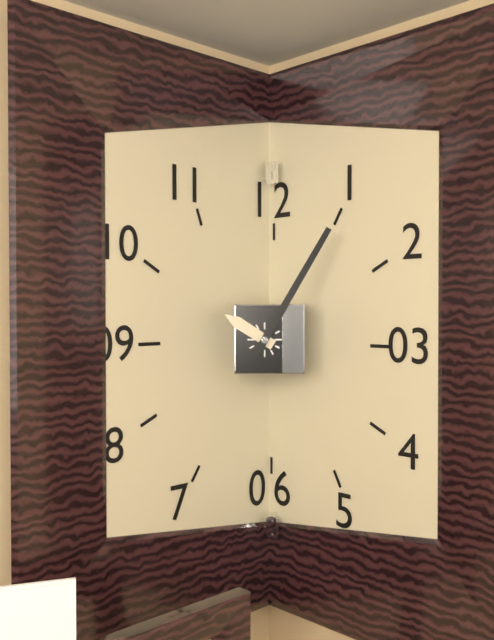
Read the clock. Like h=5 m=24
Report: h=10 m=5
